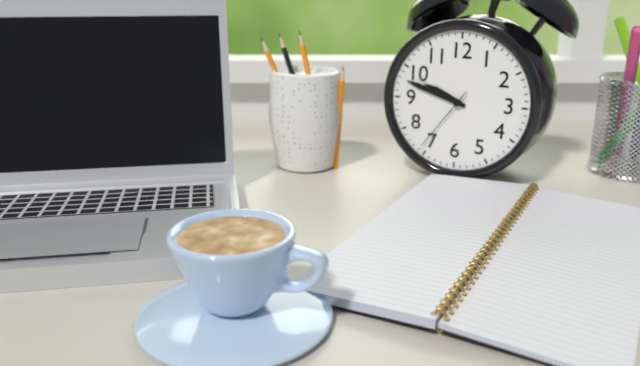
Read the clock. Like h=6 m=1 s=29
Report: h=9 m=48 s=36
